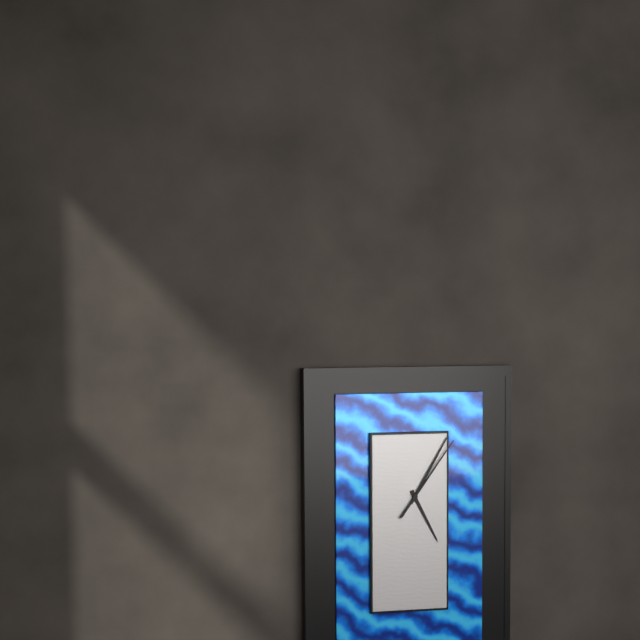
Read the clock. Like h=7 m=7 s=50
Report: h=5 m=5 s=6
